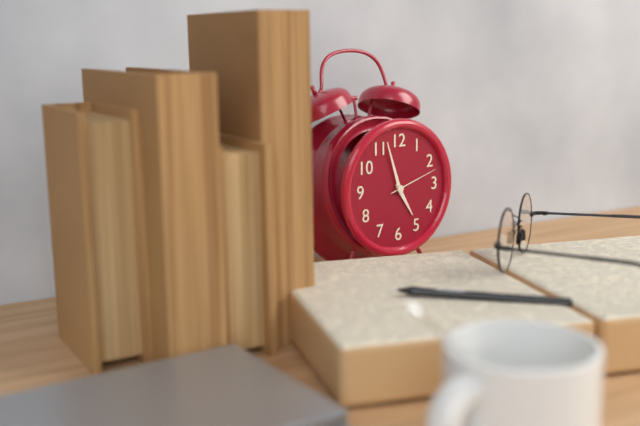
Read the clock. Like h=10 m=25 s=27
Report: h=4 m=57 s=12
